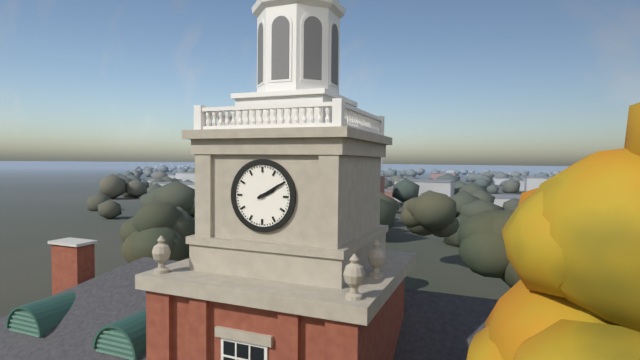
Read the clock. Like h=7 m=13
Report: h=2 m=10
